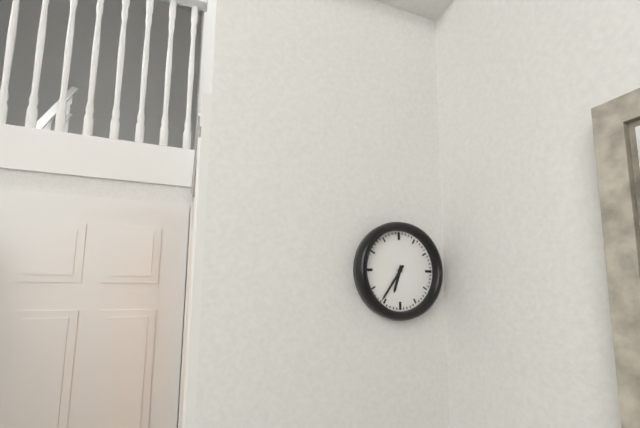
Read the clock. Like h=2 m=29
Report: h=6 m=36
